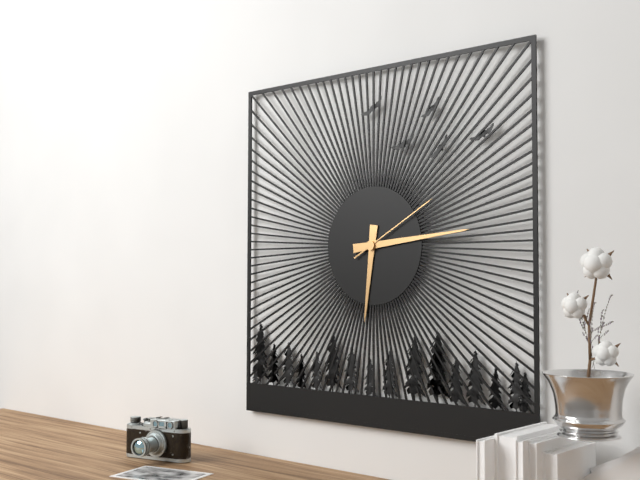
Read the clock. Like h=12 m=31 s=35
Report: h=6 m=14 s=10
